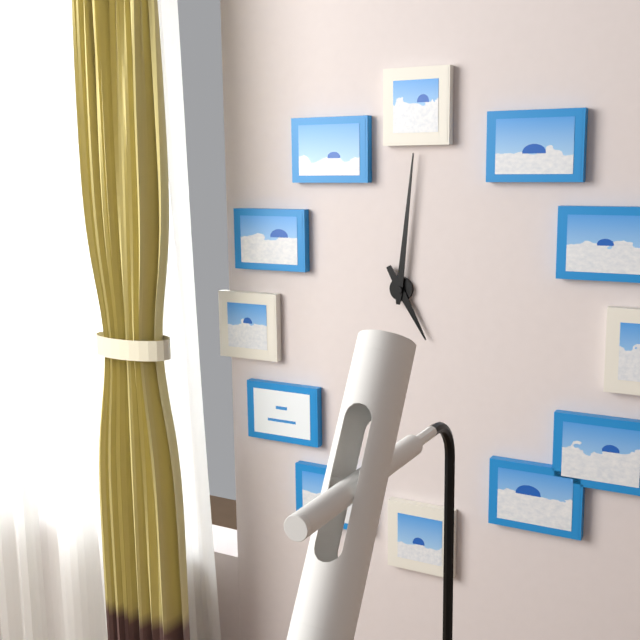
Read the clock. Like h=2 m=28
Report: h=5 m=1
